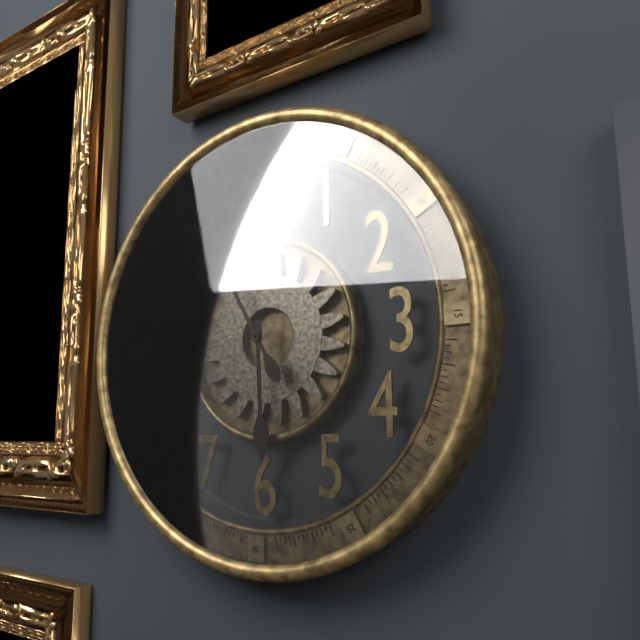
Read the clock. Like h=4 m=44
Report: h=5 m=55
